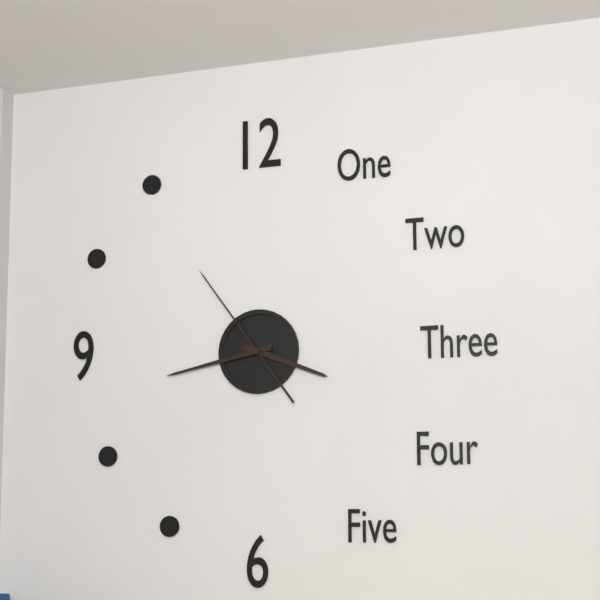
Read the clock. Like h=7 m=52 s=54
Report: h=3 m=43 s=54
